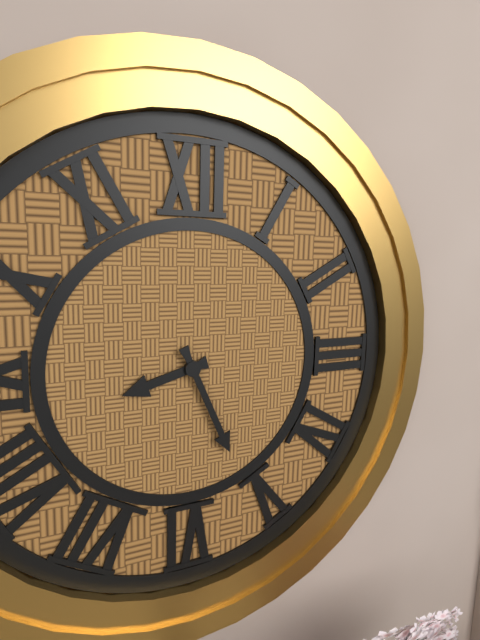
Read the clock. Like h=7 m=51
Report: h=8 m=26
